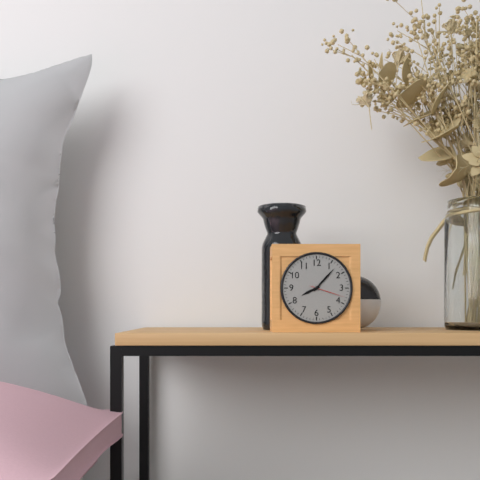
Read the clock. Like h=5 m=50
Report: h=8 m=7
